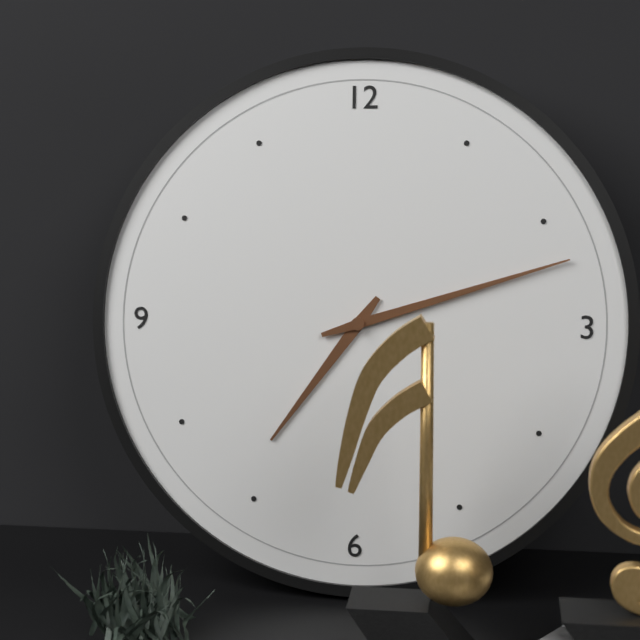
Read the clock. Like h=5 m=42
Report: h=7 m=12
